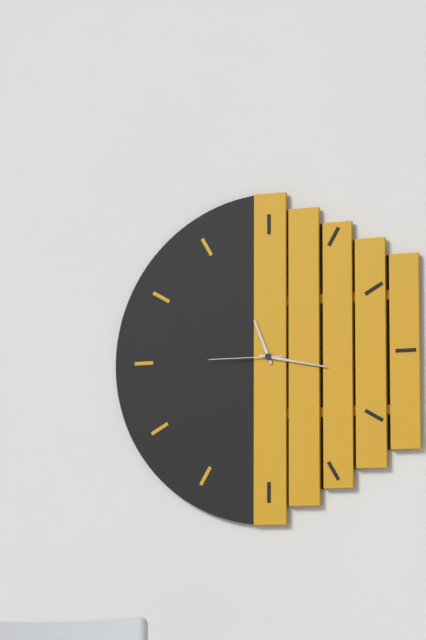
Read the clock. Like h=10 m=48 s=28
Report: h=11 m=17 s=45
